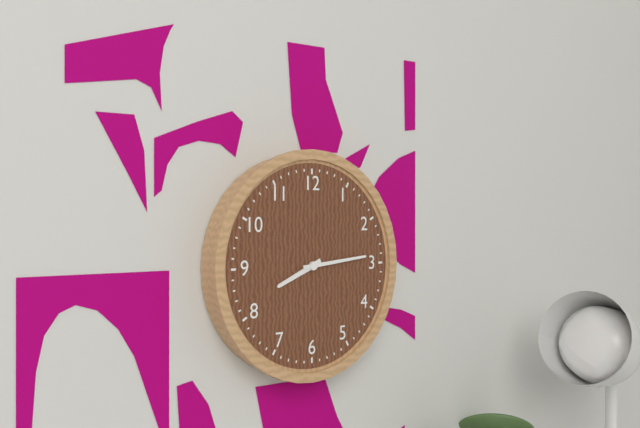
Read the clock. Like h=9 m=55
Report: h=8 m=14
